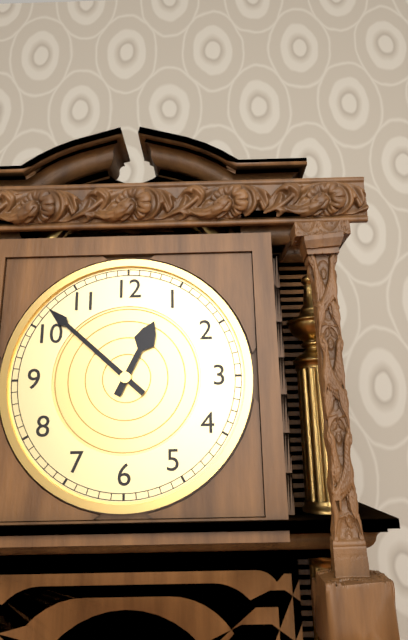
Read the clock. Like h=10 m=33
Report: h=12 m=52
